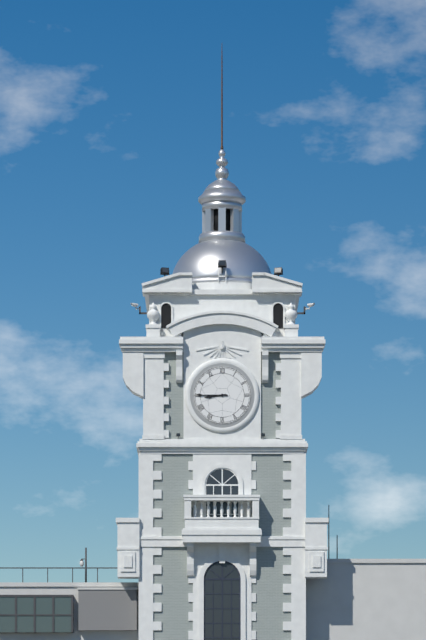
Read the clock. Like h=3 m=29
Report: h=8 m=45
